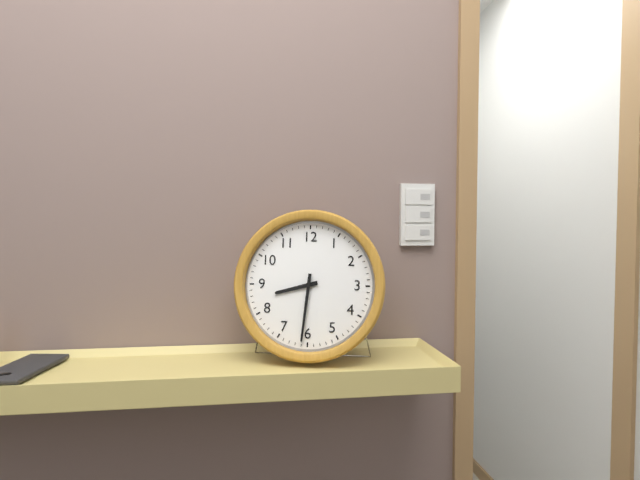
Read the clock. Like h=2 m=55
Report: h=8 m=31
